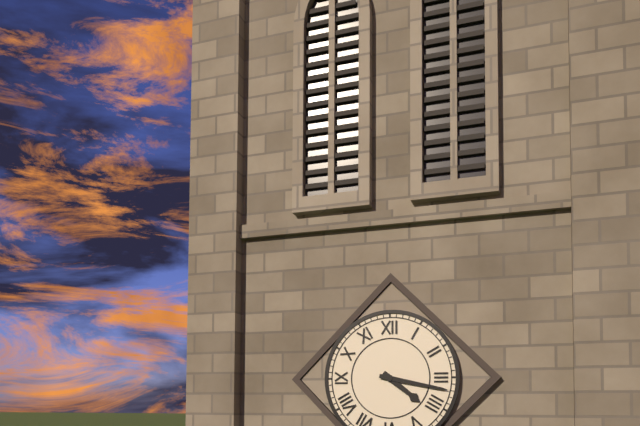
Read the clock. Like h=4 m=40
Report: h=4 m=17
